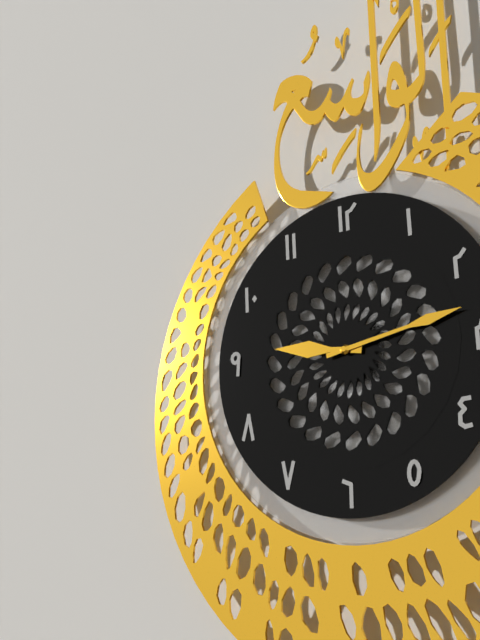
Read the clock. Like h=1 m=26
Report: h=9 m=13
